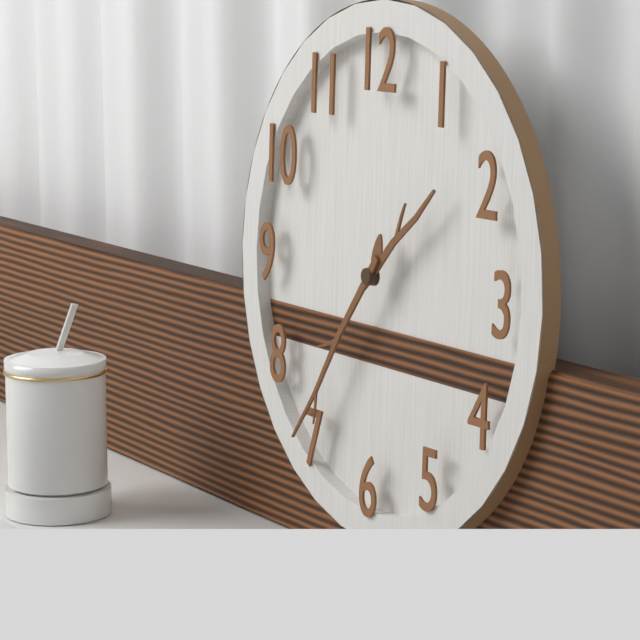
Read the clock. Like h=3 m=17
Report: h=1 m=36
